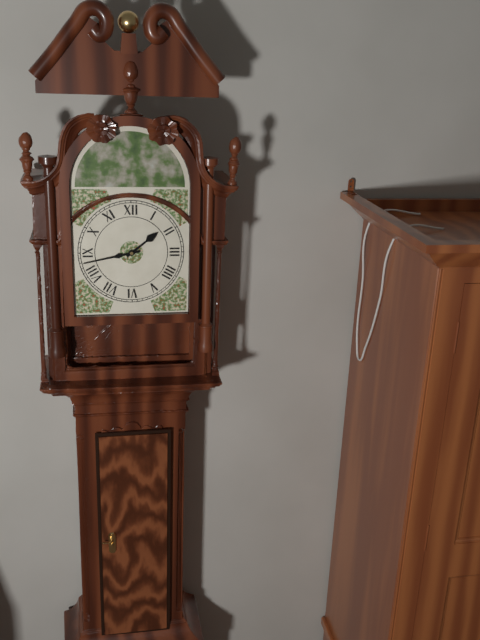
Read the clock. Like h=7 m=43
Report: h=1 m=43
